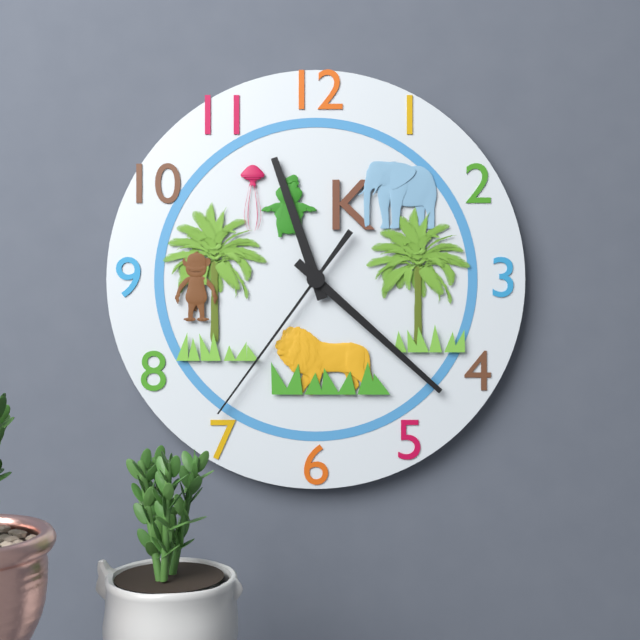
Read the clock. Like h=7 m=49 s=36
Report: h=11 m=22 s=36
